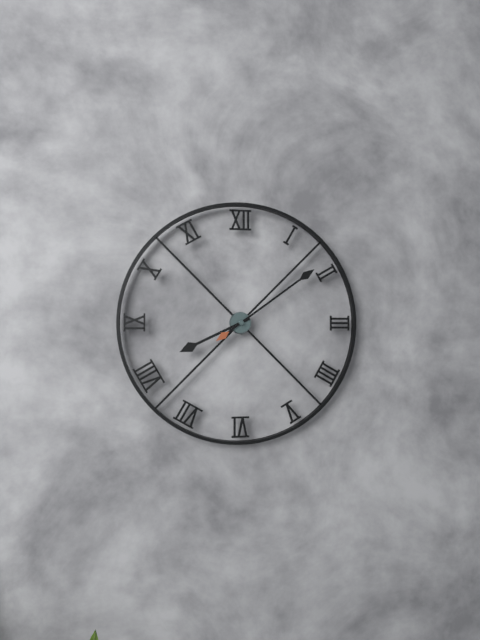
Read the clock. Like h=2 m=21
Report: h=8 m=9
